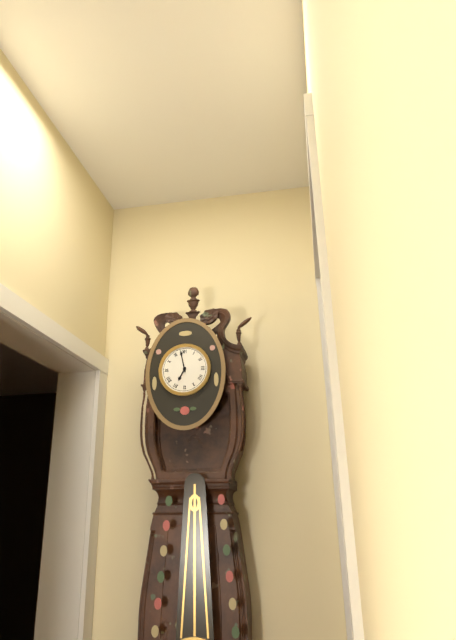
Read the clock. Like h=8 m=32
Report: h=6 m=58
